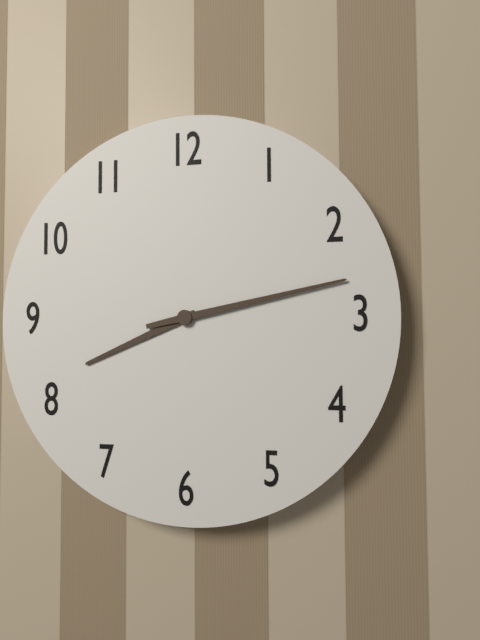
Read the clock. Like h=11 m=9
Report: h=8 m=13
